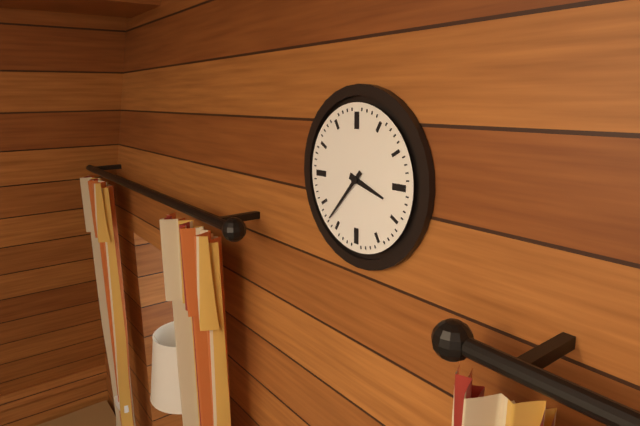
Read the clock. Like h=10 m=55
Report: h=3 m=37
